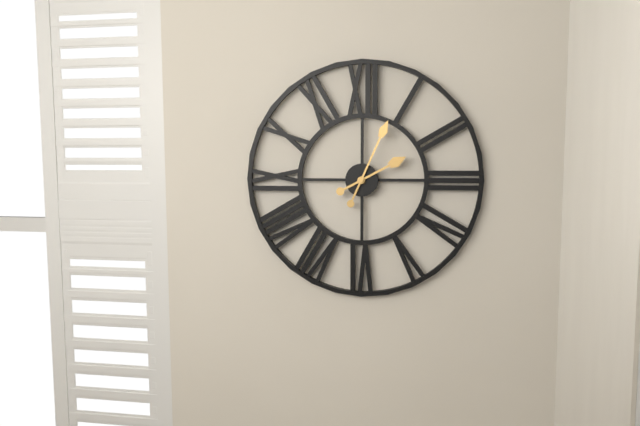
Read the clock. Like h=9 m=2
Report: h=2 m=4
